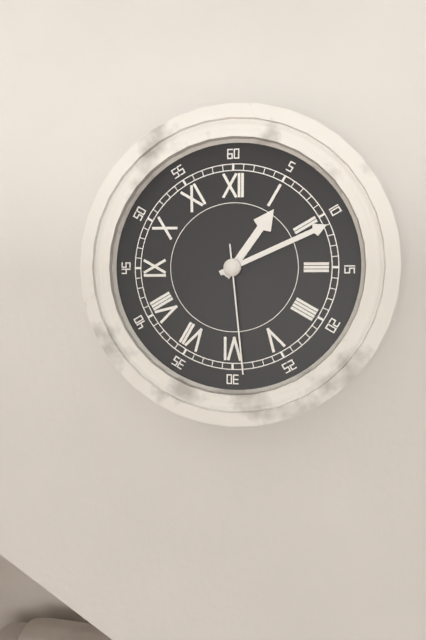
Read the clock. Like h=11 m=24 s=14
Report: h=1 m=11 s=29
